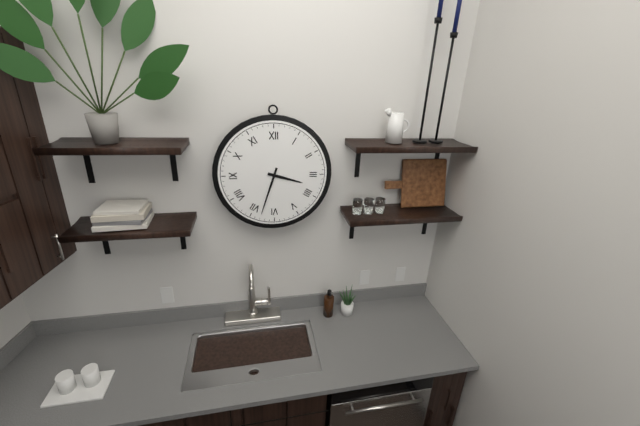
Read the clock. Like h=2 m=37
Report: h=3 m=33
